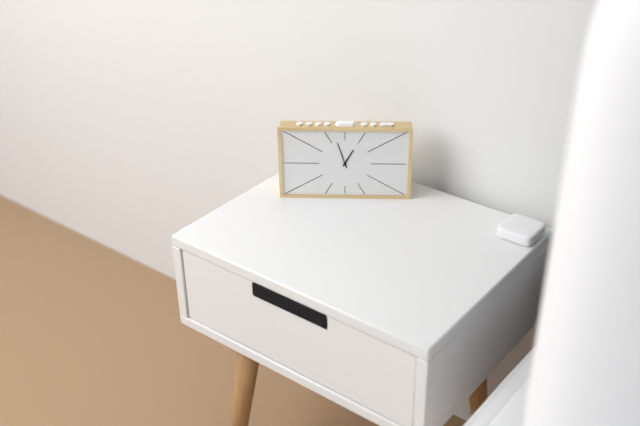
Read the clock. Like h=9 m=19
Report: h=12 m=57
